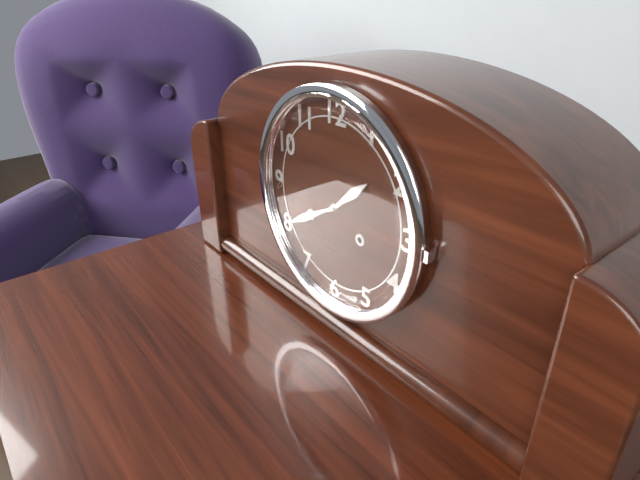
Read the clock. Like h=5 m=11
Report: h=1 m=40
